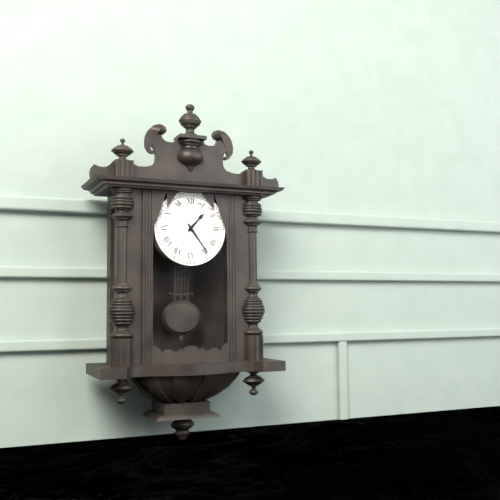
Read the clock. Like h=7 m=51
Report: h=1 m=24
